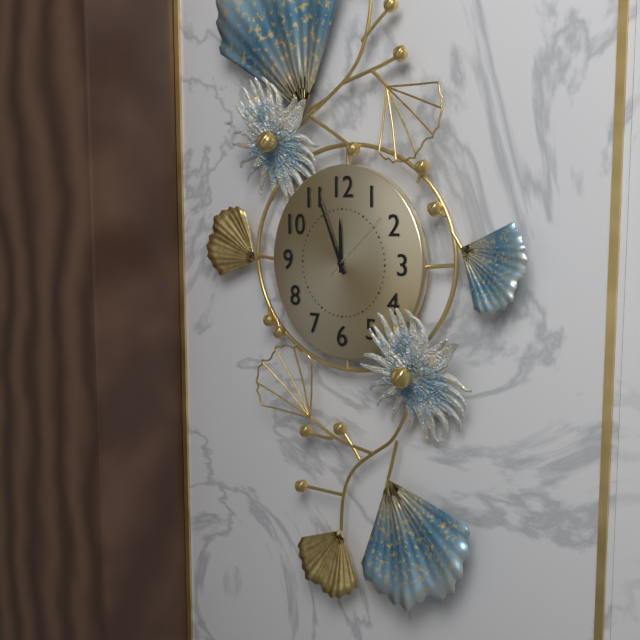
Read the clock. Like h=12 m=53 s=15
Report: h=11 m=56 s=8
